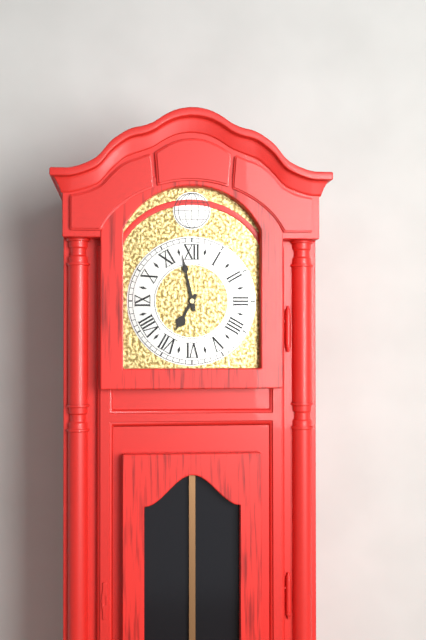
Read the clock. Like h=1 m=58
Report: h=6 m=58
